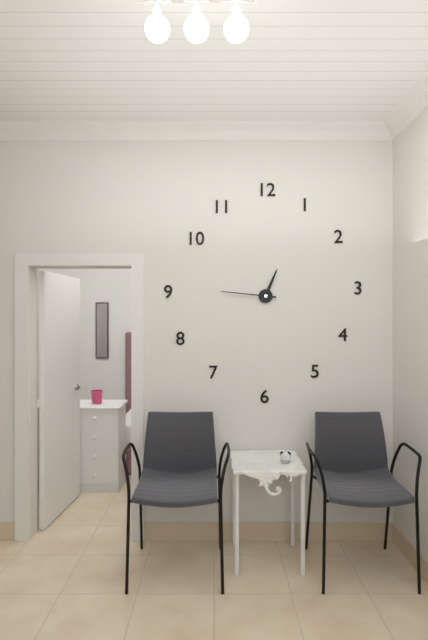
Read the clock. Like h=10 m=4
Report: h=12 m=46
